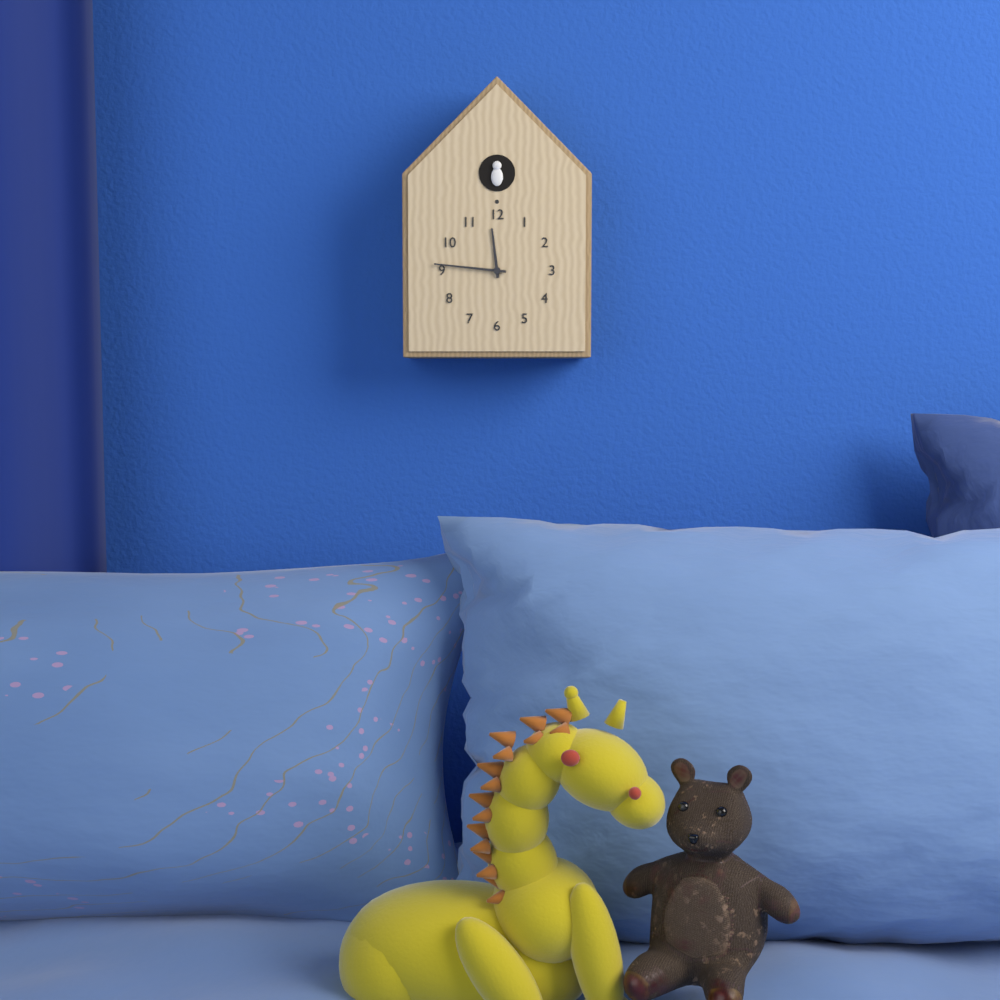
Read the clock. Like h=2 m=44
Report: h=11 m=46
